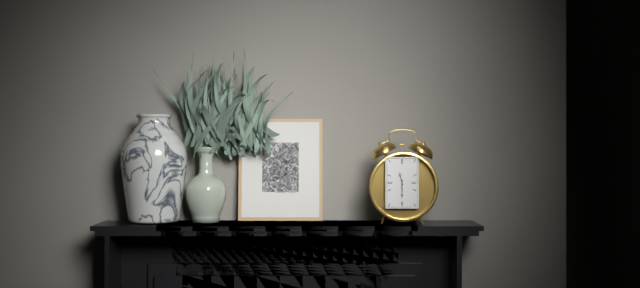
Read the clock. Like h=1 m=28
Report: h=11 m=30
